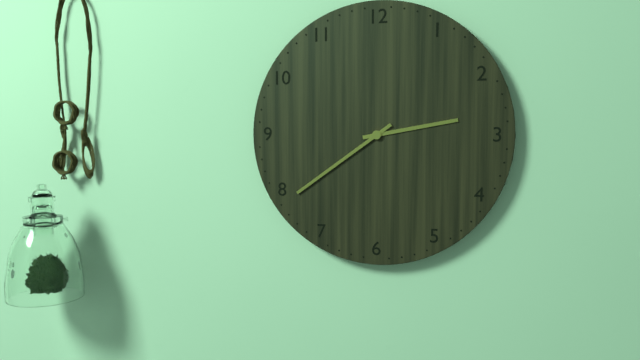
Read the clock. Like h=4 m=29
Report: h=2 m=39
